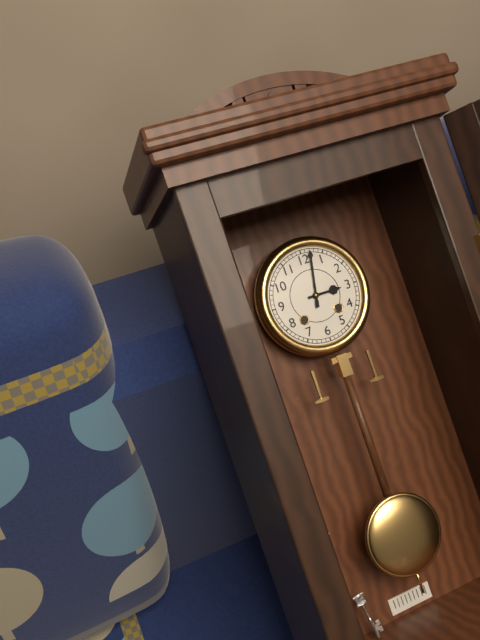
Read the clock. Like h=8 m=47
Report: h=3 m=2
